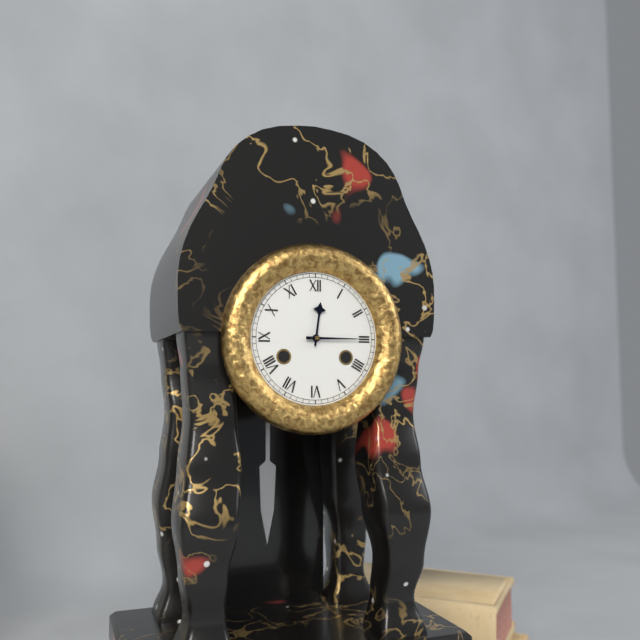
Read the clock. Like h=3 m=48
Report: h=12 m=15
